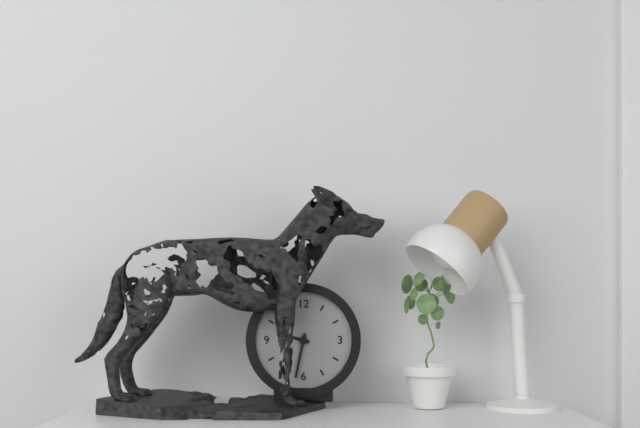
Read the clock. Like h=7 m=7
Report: h=9 m=32
